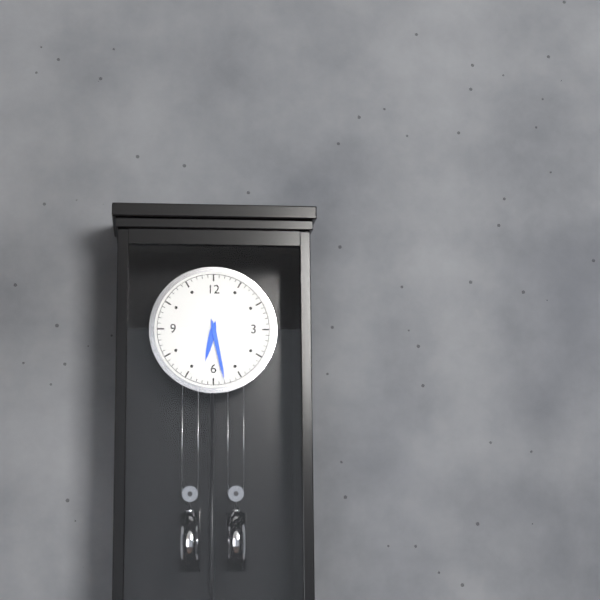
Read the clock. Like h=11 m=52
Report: h=6 m=28
